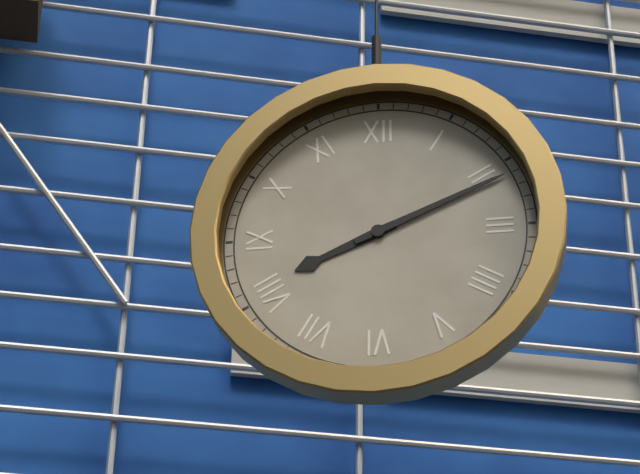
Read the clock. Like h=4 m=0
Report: h=8 m=11
